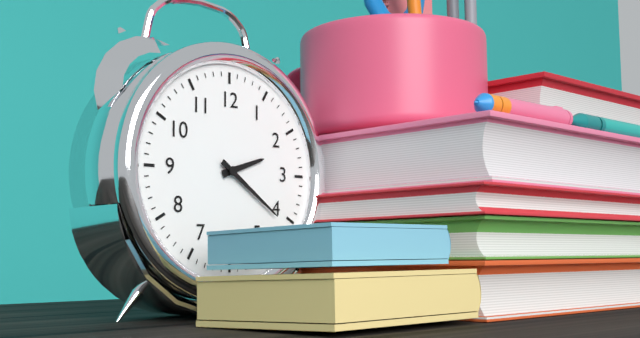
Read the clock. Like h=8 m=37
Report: h=2 m=21
